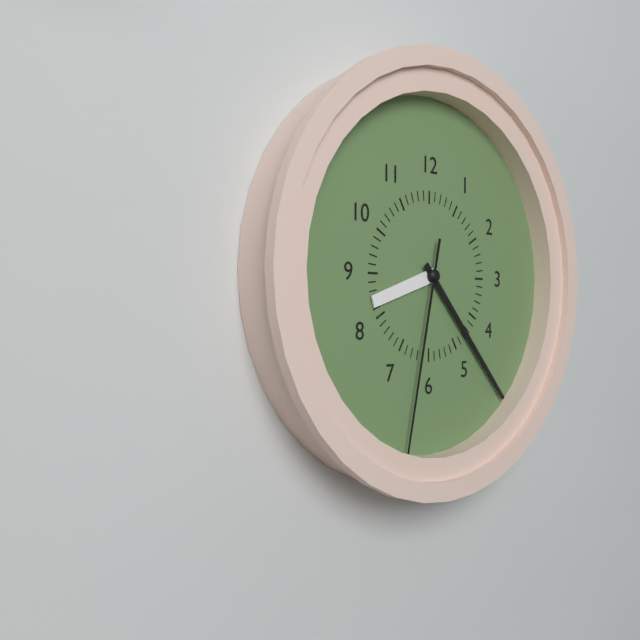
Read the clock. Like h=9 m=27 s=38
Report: h=8 m=23 s=32
